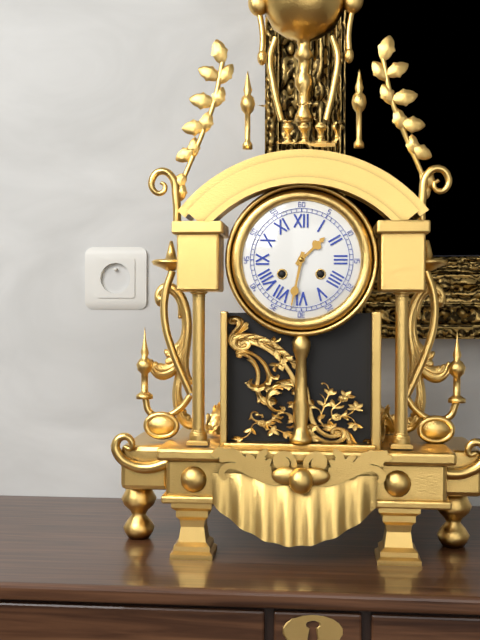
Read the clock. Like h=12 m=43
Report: h=1 m=32
